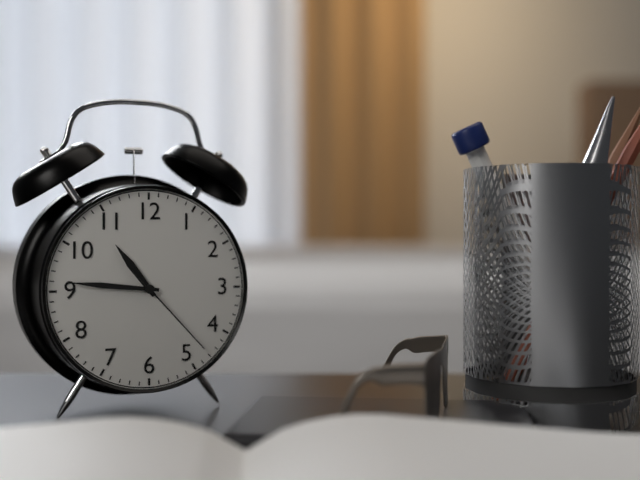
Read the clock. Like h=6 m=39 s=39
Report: h=10 m=46 s=23
